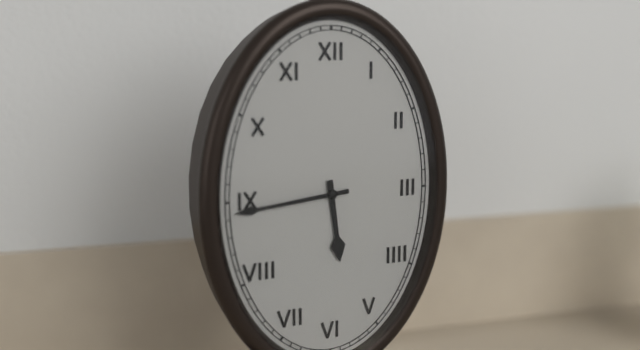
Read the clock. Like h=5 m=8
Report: h=5 m=44
